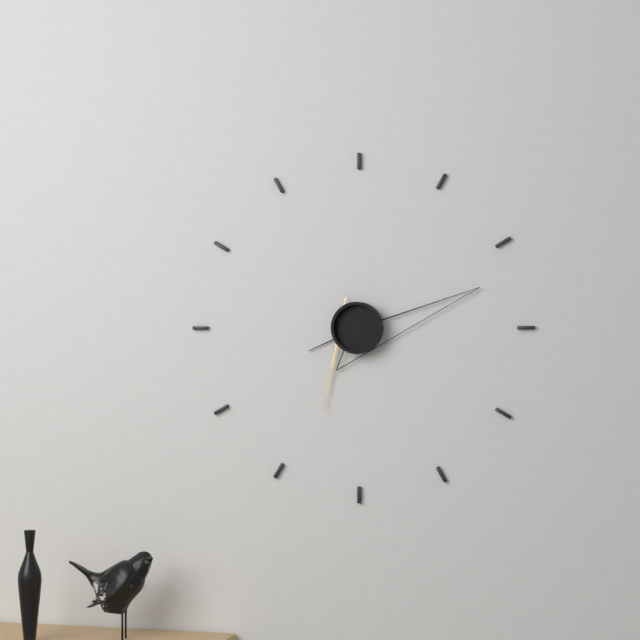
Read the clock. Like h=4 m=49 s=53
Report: h=8 m=12 s=34
